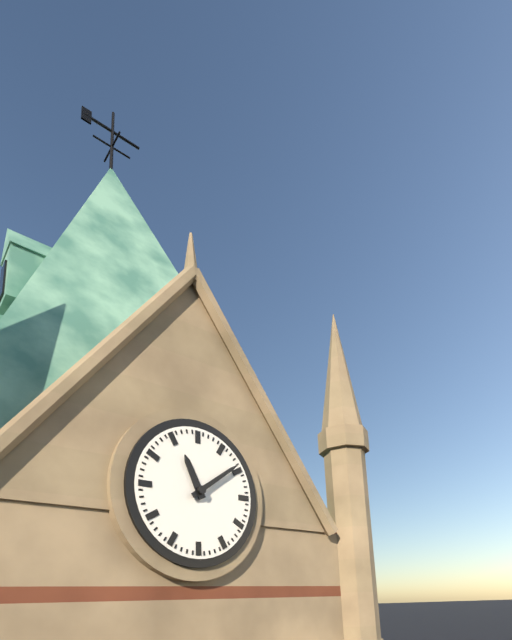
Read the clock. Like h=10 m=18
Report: h=11 m=9
